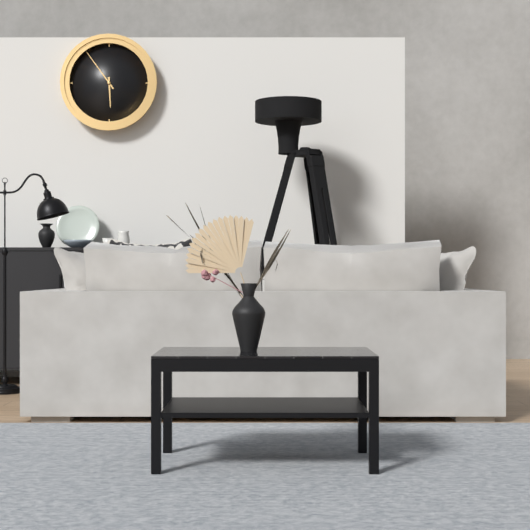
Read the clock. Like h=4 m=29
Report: h=5 m=54
